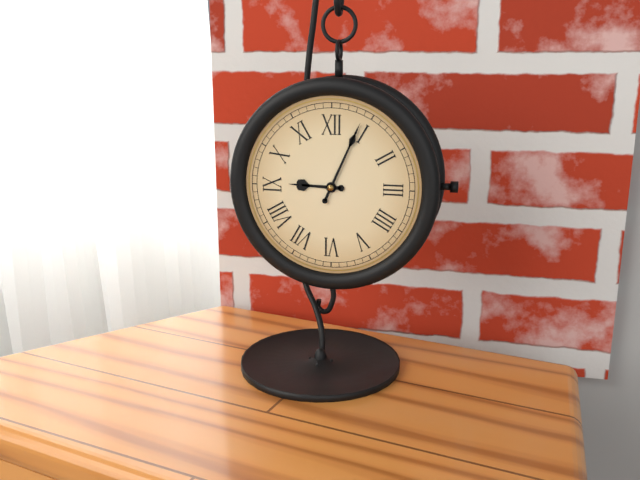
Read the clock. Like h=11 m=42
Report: h=9 m=4
